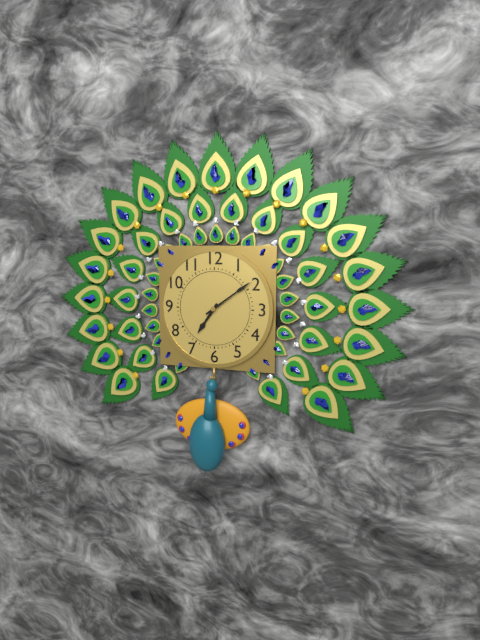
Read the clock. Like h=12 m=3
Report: h=7 m=9
